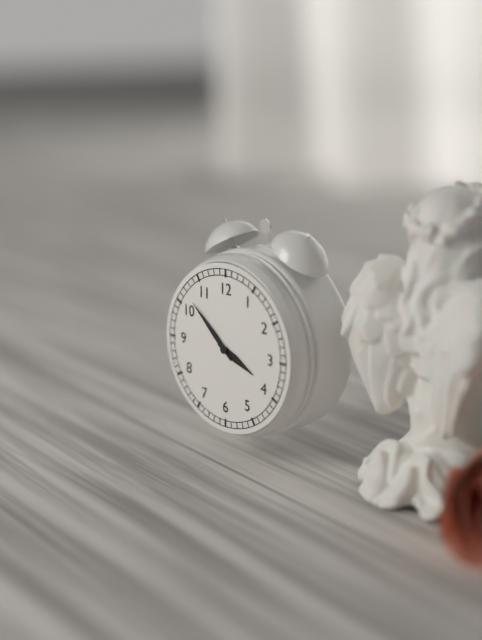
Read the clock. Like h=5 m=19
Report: h=3 m=52
